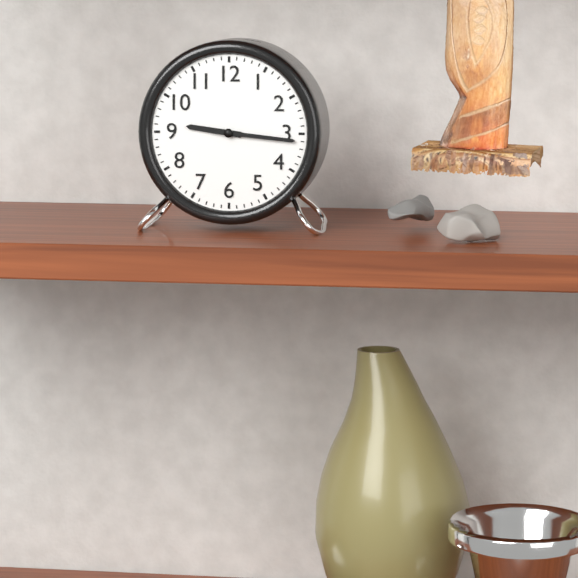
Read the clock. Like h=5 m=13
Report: h=9 m=16
